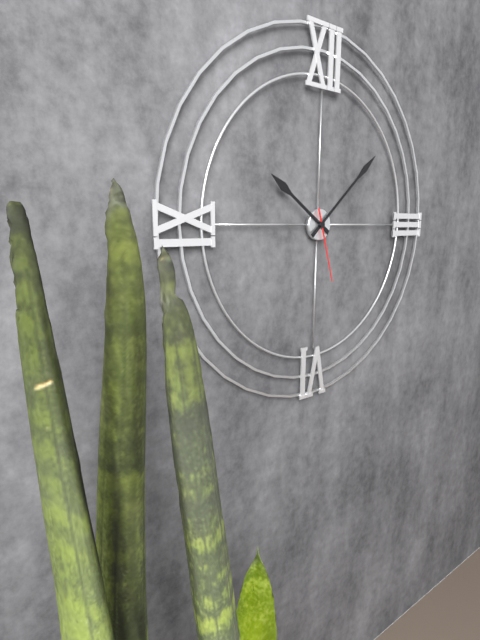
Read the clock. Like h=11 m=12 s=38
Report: h=10 m=8 s=27
